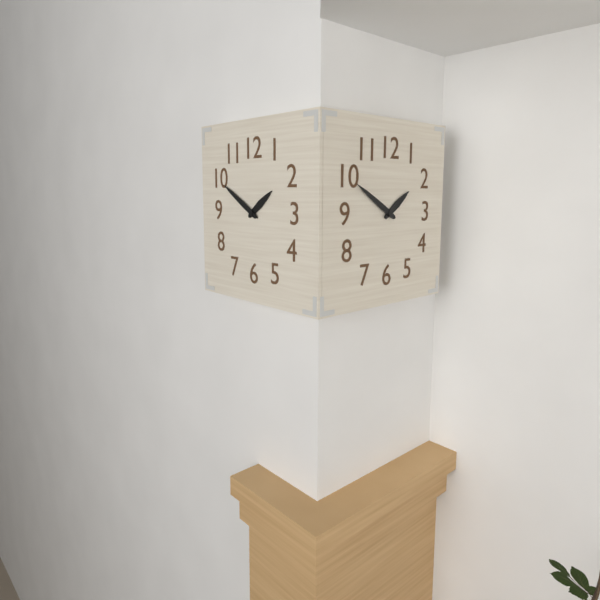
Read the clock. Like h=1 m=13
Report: h=1 m=50
